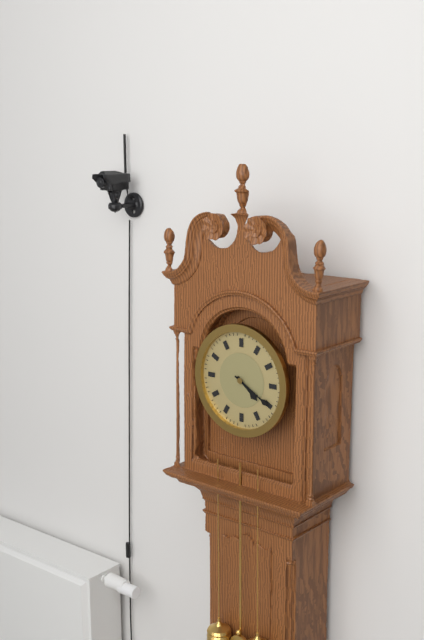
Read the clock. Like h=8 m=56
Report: h=4 m=20
